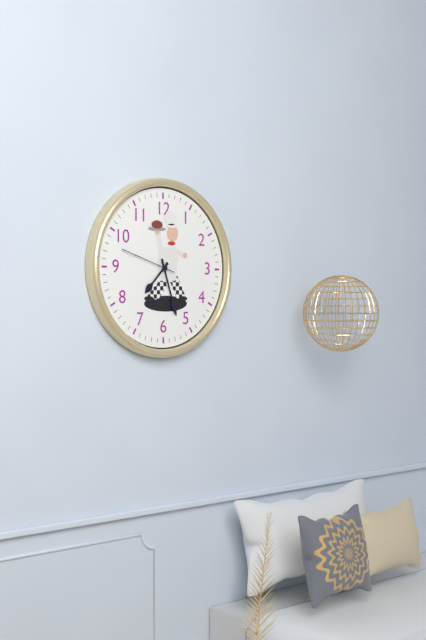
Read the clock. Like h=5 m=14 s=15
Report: h=7 m=27 s=48
